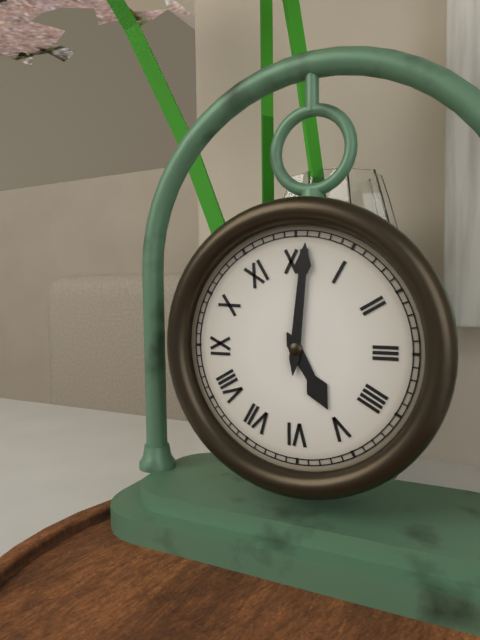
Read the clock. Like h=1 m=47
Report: h=5 m=1
